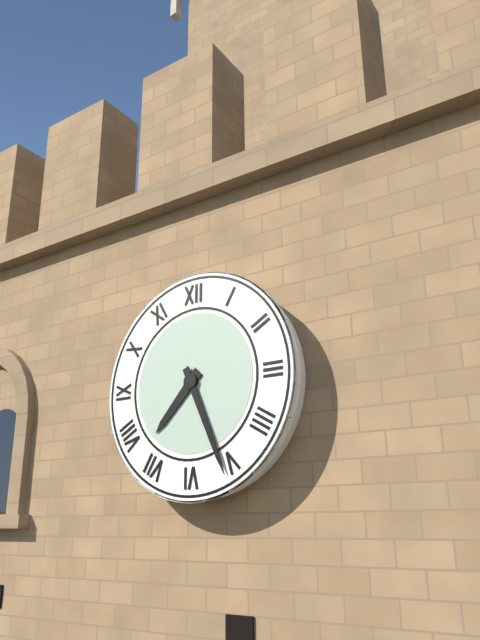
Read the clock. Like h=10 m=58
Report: h=7 m=26
